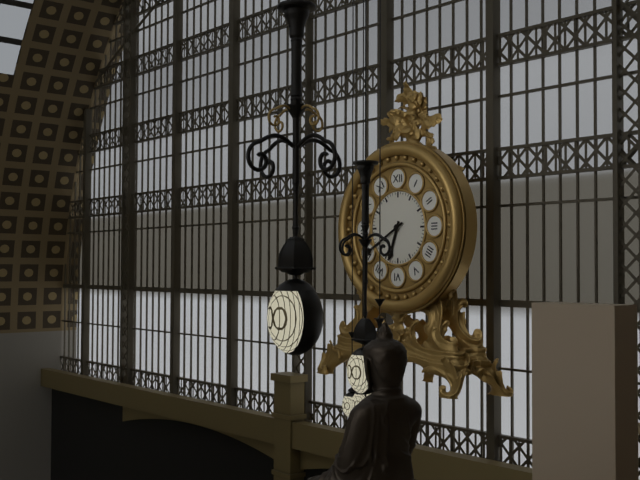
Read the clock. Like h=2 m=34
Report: h=6 m=40
